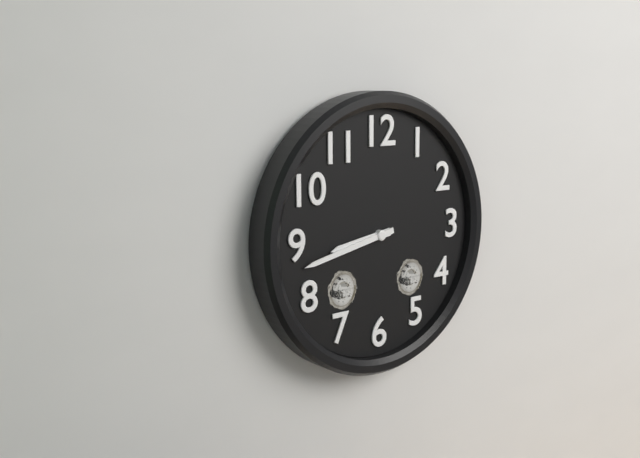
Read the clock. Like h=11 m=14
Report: h=8 m=43
